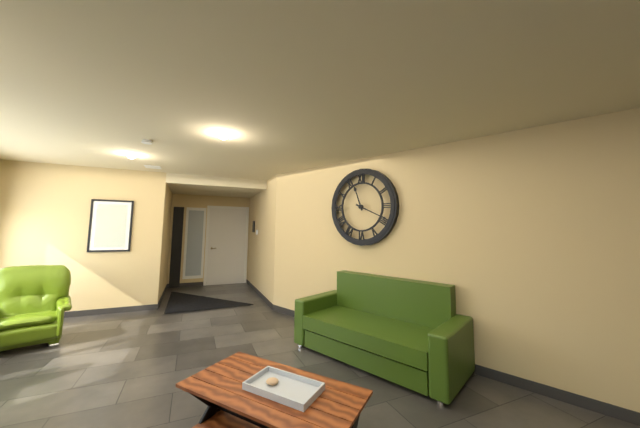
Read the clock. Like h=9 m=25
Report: h=11 m=19
